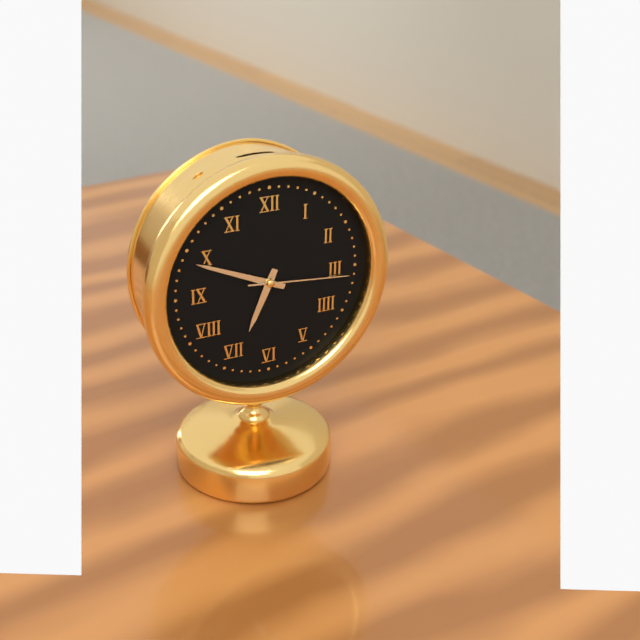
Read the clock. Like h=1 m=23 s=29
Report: h=6 m=49 s=16
